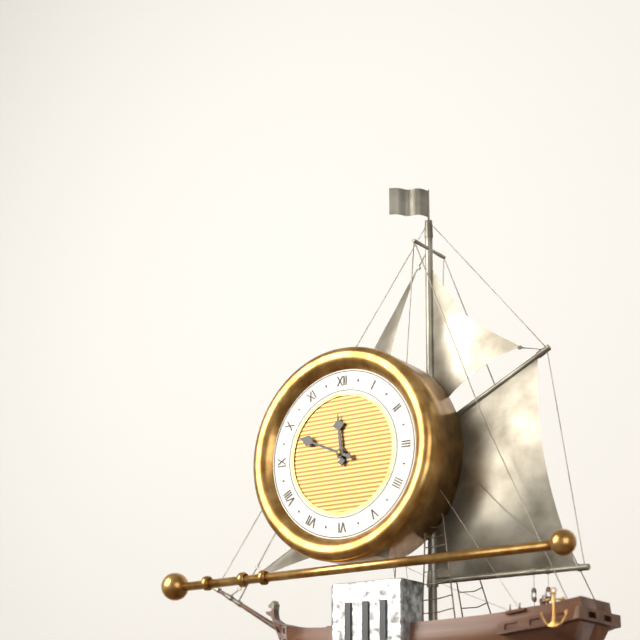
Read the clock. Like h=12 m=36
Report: h=11 m=49
